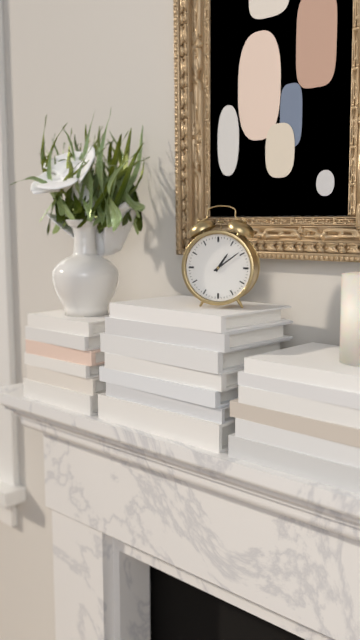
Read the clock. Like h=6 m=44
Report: h=1 m=9
